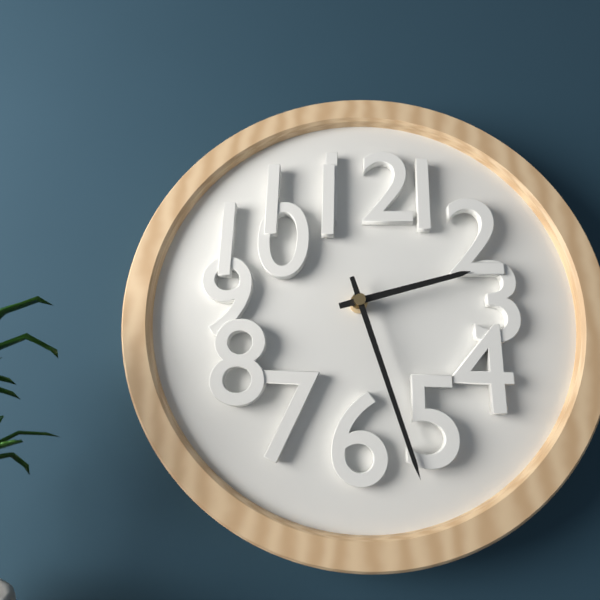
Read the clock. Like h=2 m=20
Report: h=2 m=27
